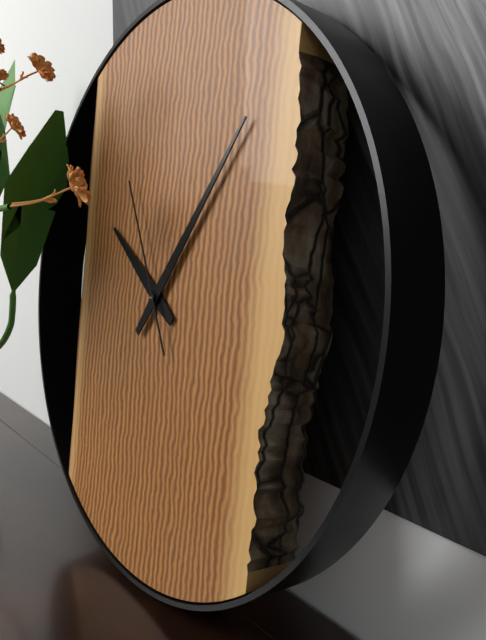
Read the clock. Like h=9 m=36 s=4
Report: h=10 m=6 s=55
